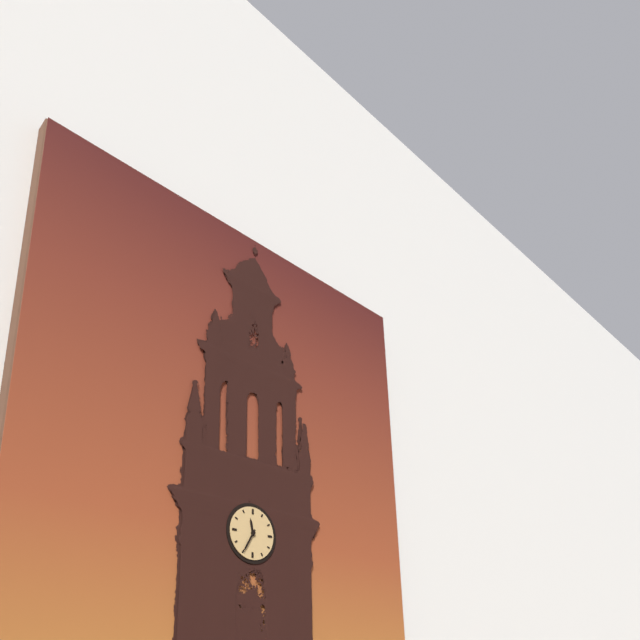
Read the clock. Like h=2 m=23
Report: h=11 m=35
